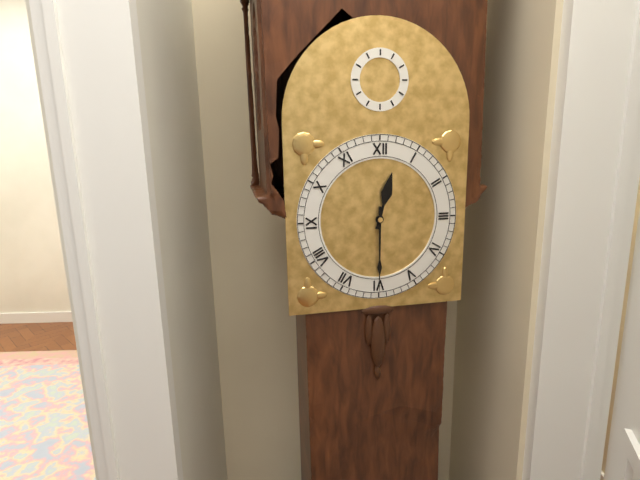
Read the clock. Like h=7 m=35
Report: h=12 m=30
